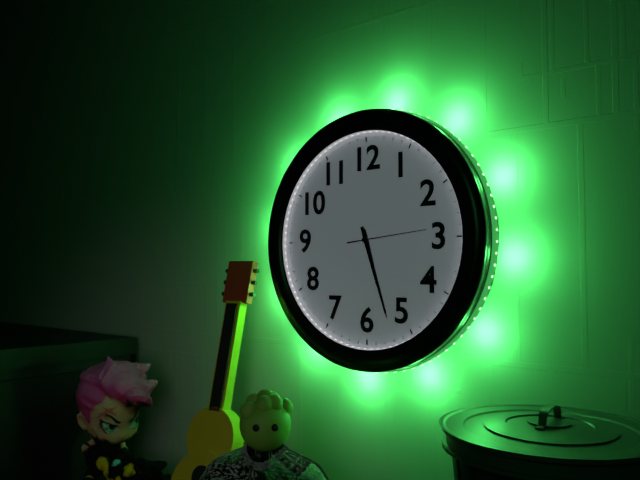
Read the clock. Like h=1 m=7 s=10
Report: h=5 m=27 s=14
